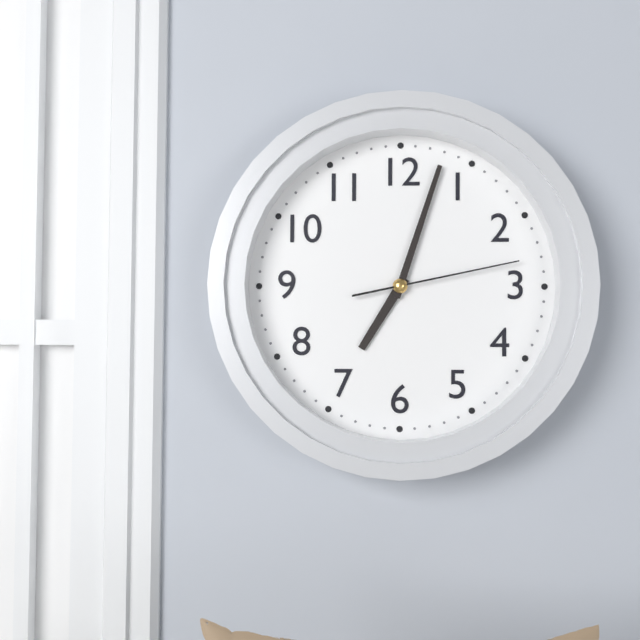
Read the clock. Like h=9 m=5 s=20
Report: h=7 m=3 s=13
